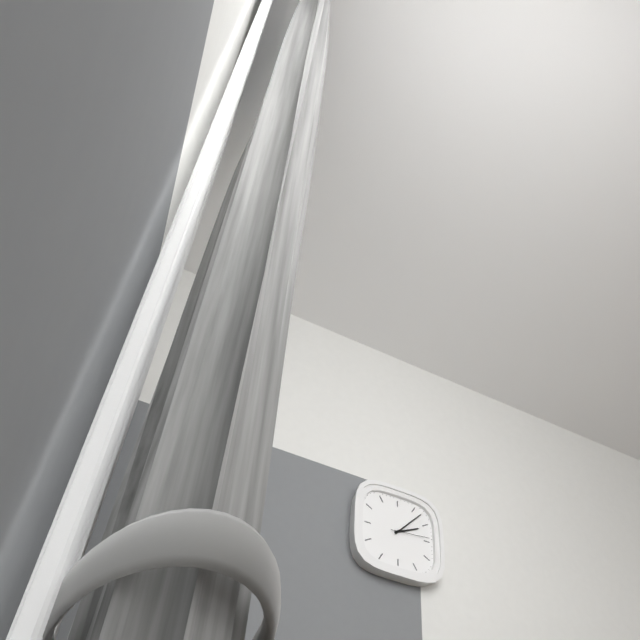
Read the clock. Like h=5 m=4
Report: h=2 m=7
